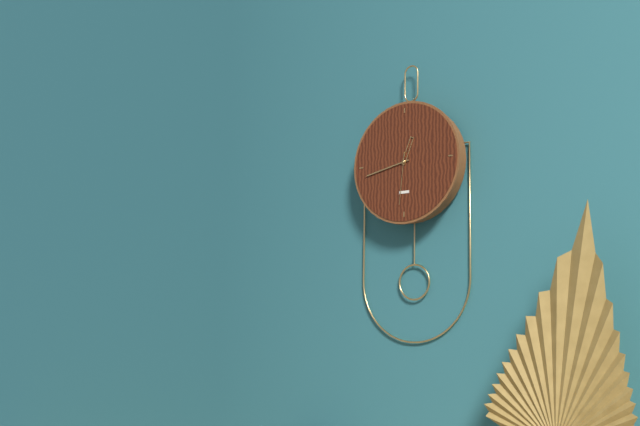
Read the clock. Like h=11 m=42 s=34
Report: h=12 m=43 s=31
